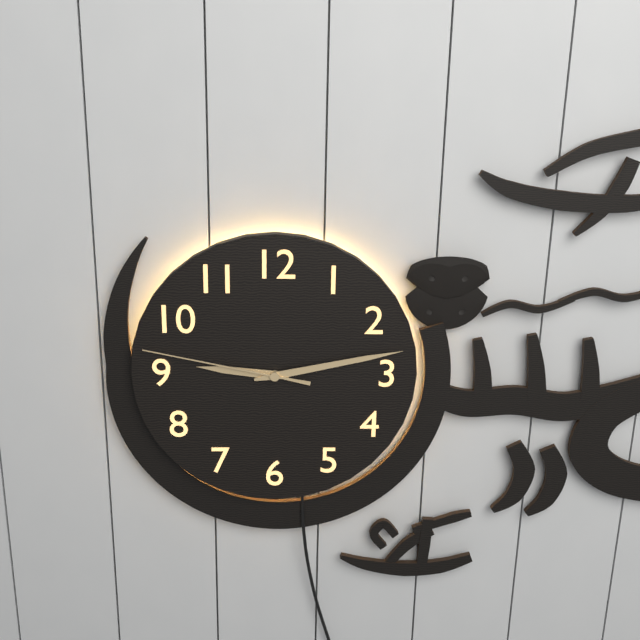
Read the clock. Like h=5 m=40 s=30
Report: h=9 m=13 s=47
